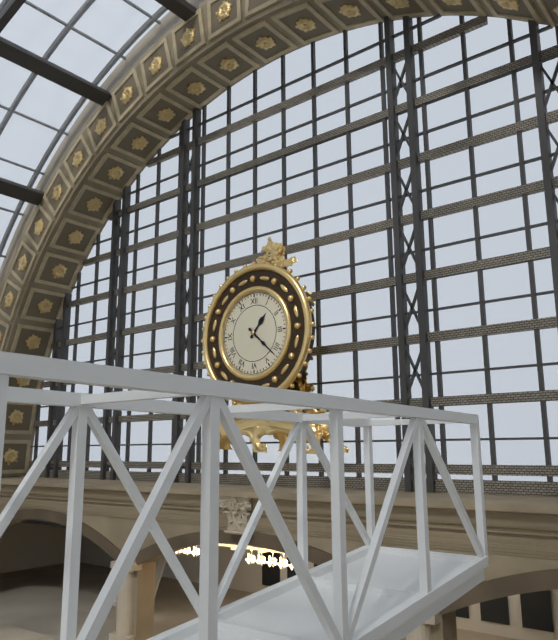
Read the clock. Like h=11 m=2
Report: h=1 m=22
